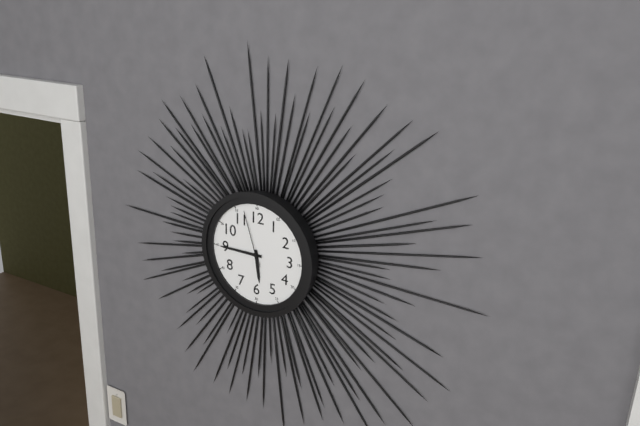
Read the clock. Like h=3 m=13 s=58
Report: h=5 m=45 s=57
